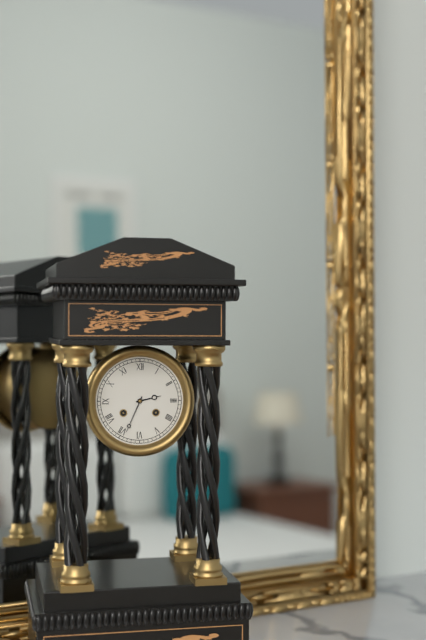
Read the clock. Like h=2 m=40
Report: h=2 m=34
